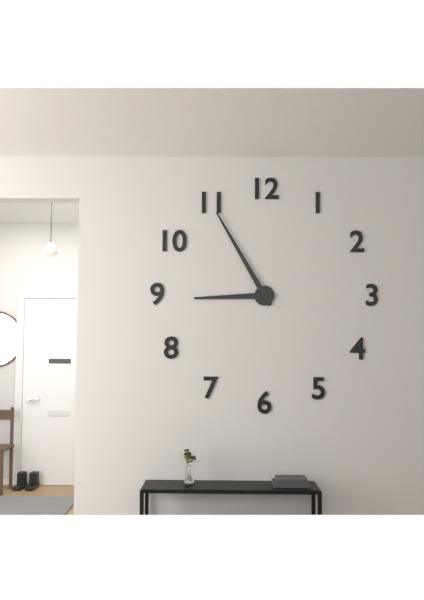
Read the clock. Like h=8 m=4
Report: h=8 m=55
